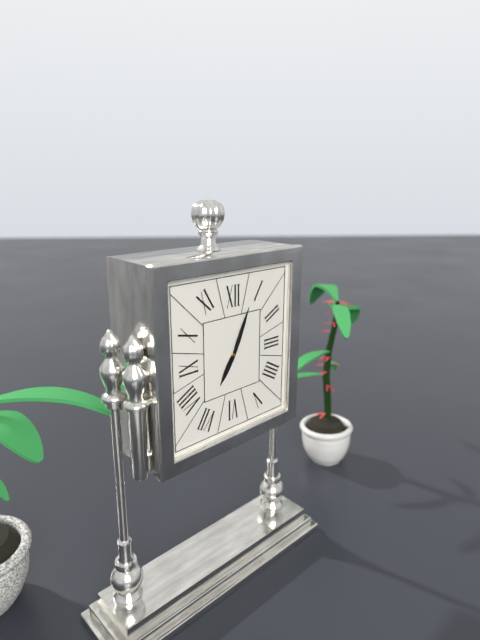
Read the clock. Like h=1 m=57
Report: h=7 m=4
